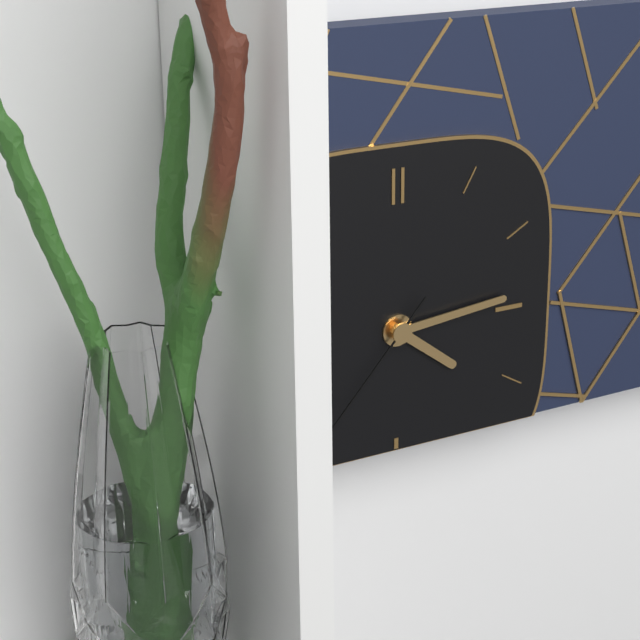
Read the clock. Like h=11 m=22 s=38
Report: h=4 m=14 s=37
